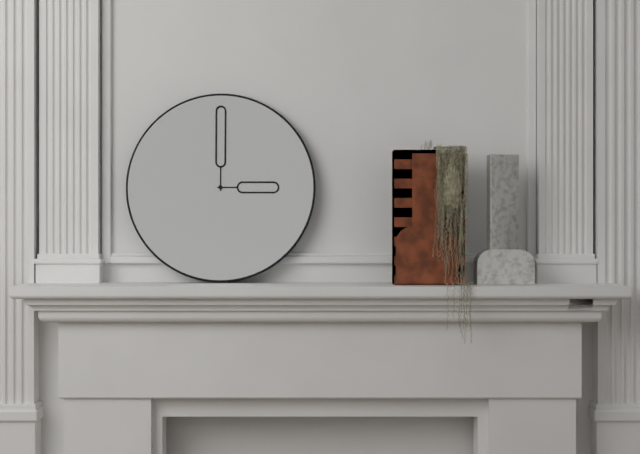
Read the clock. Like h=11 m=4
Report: h=3 m=0
